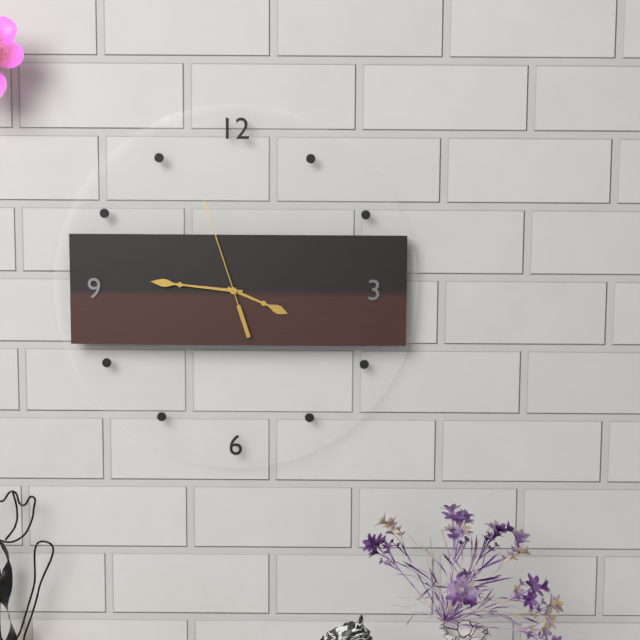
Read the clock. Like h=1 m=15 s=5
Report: h=3 m=46 s=57
